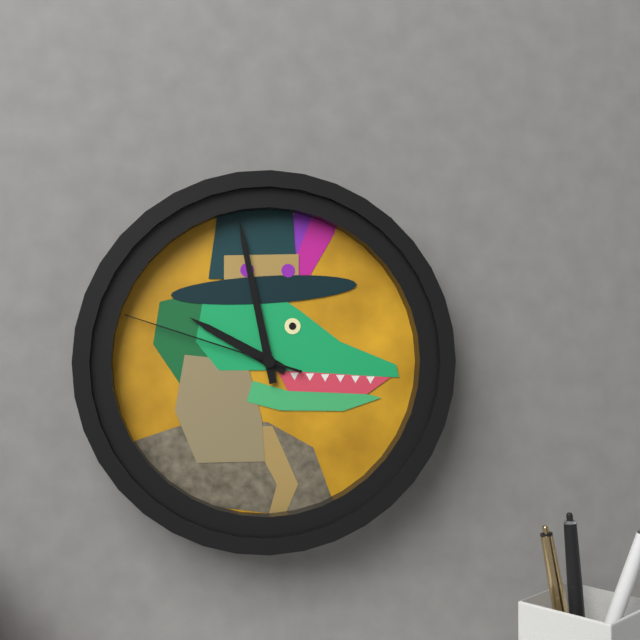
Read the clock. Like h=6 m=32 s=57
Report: h=9 m=58 s=48
